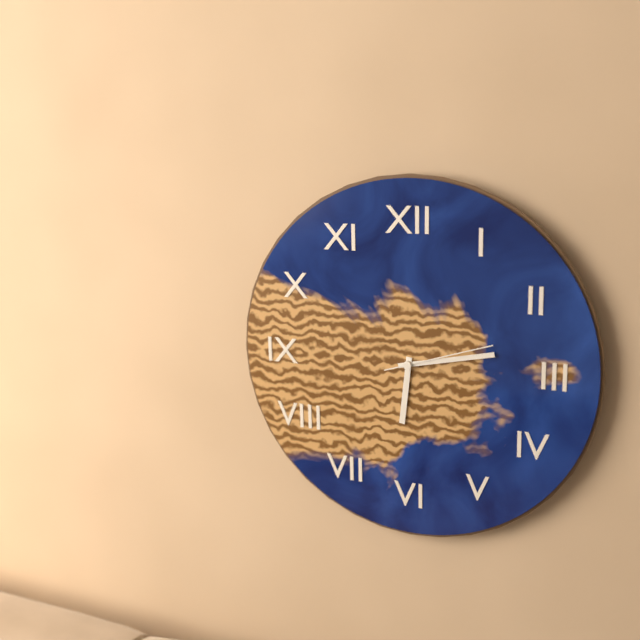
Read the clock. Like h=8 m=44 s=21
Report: h=6 m=13 s=12
